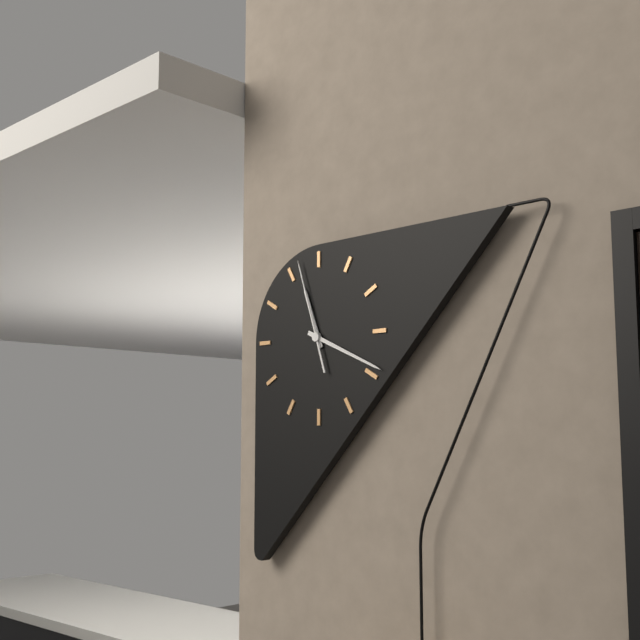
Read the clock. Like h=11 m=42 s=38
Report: h=11 m=19 s=57
